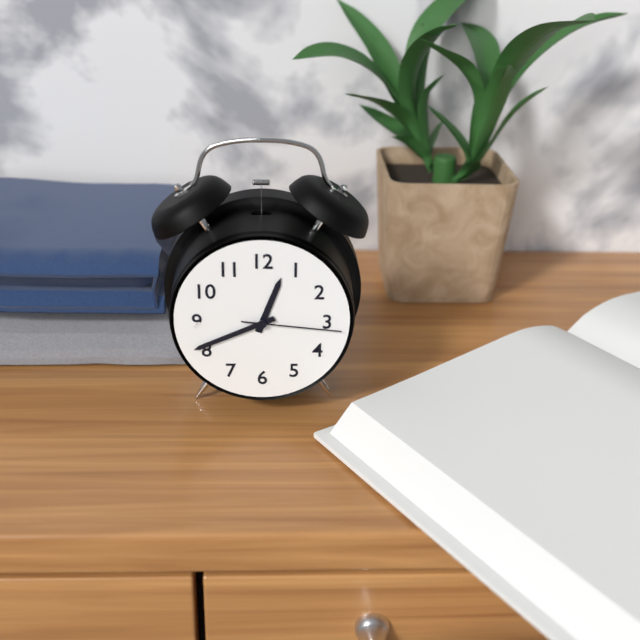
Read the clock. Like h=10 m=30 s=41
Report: h=12 m=41 s=16
